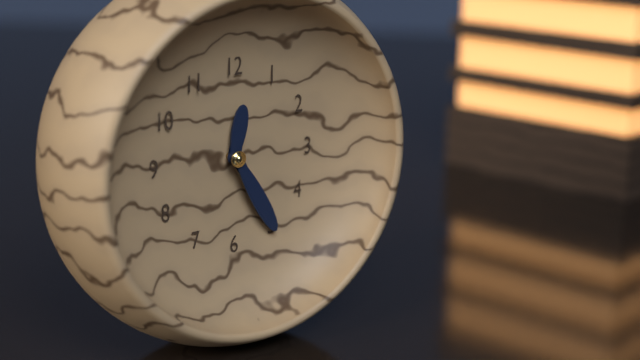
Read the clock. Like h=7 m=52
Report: h=12 m=25
